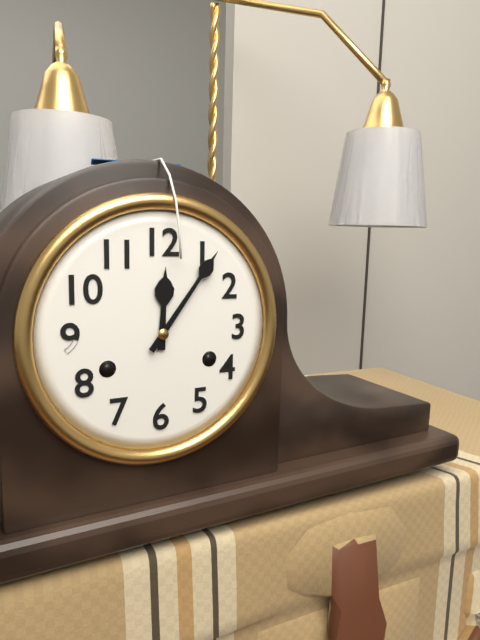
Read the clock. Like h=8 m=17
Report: h=12 m=6
